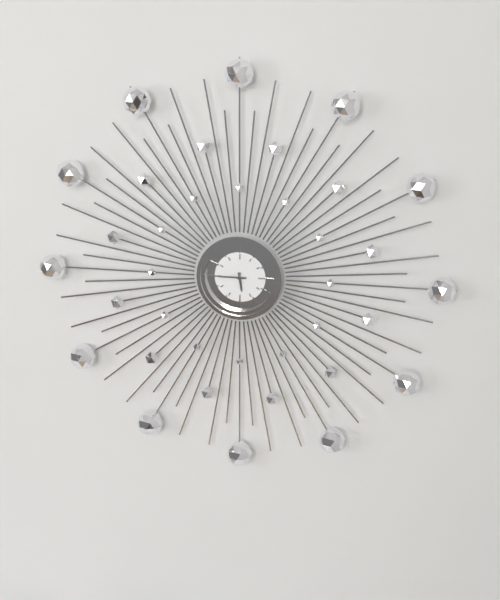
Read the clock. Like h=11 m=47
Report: h=5 m=45
